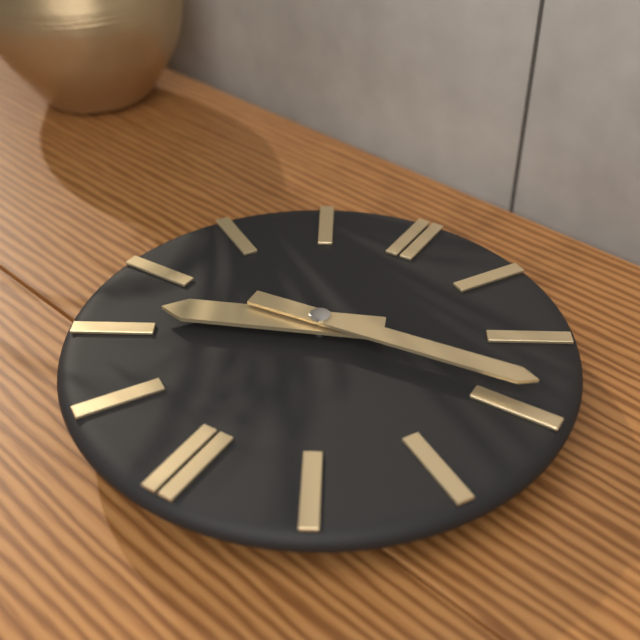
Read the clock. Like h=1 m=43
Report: h=8 m=14
